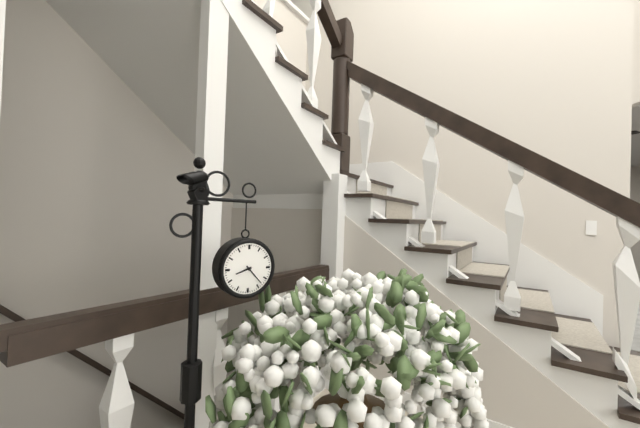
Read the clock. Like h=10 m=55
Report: h=8 m=23
